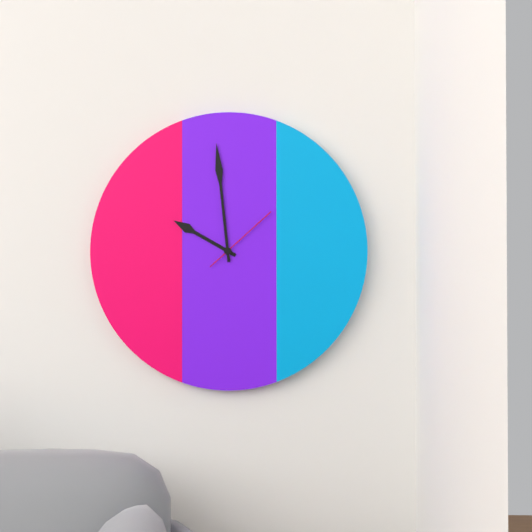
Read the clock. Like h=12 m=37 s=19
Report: h=9 m=59 s=8
